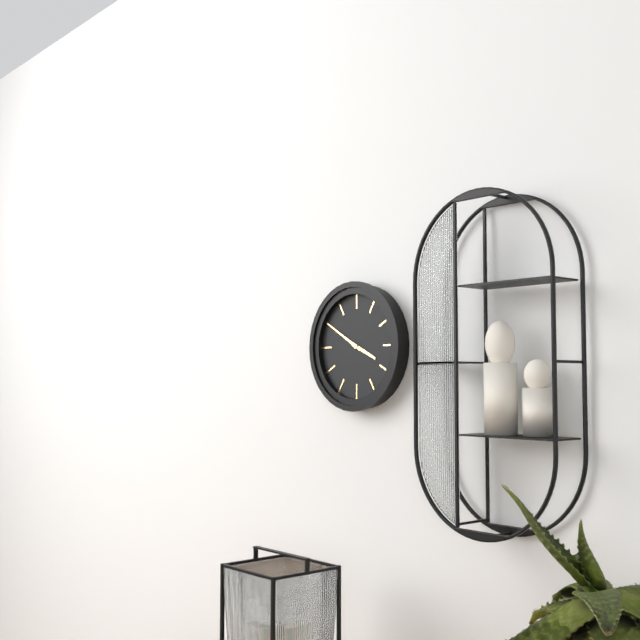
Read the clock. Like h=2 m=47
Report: h=3 m=50
